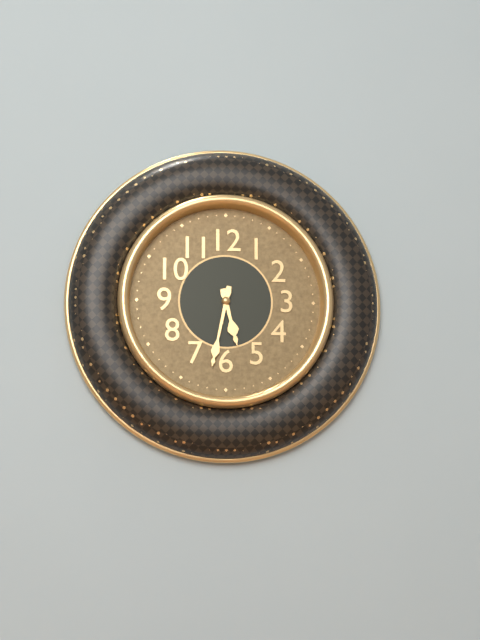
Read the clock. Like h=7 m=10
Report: h=5 m=32
